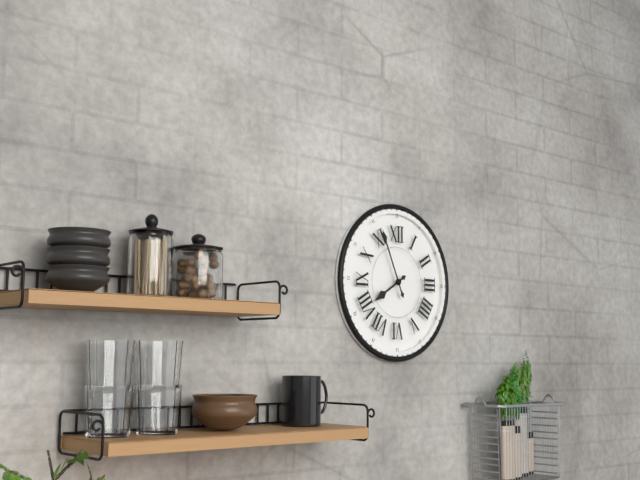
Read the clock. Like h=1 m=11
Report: h=7 m=56
